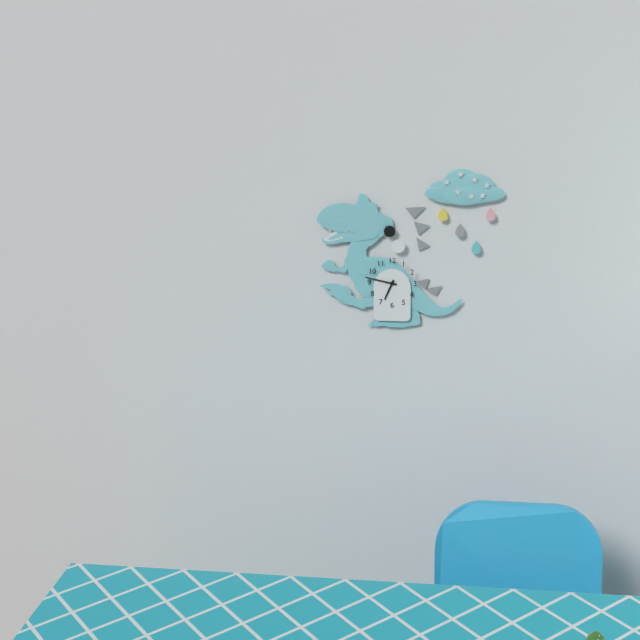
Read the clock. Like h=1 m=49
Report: h=6 m=47
